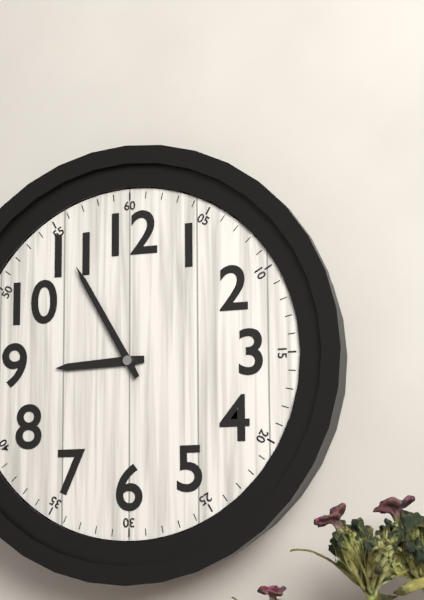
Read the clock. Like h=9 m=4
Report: h=8 m=55
